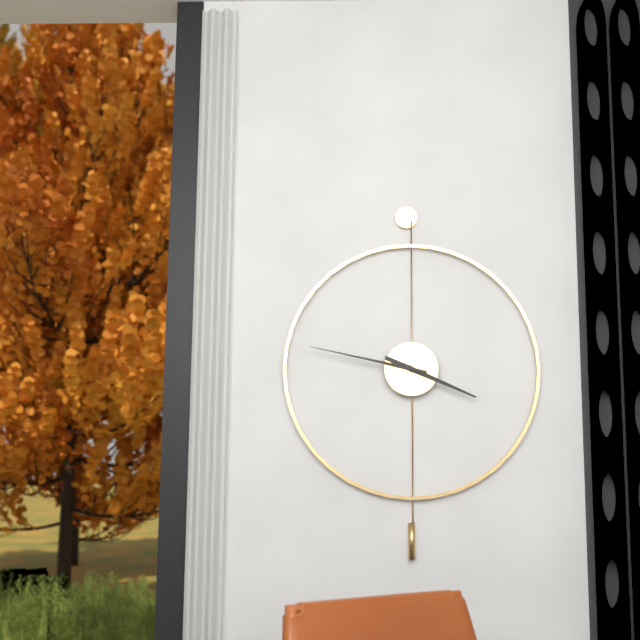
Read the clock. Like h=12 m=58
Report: h=3 m=47
